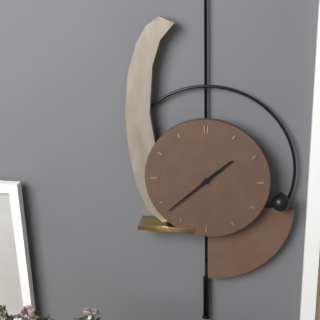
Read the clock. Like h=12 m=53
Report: h=1 m=38
